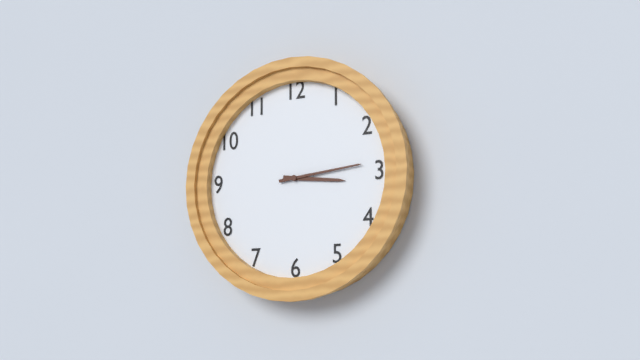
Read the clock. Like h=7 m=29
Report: h=3 m=14
